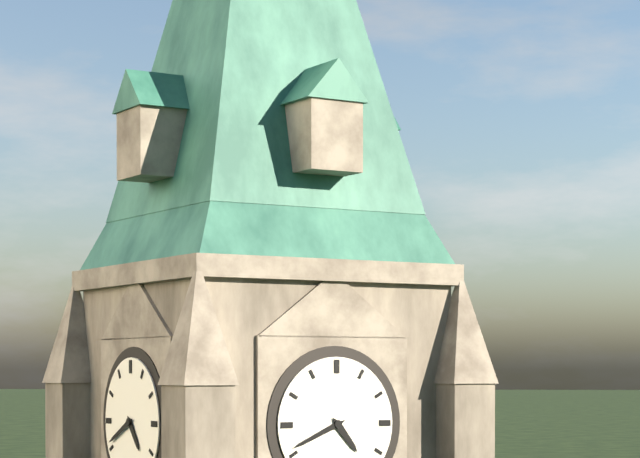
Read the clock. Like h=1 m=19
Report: h=4 m=41
